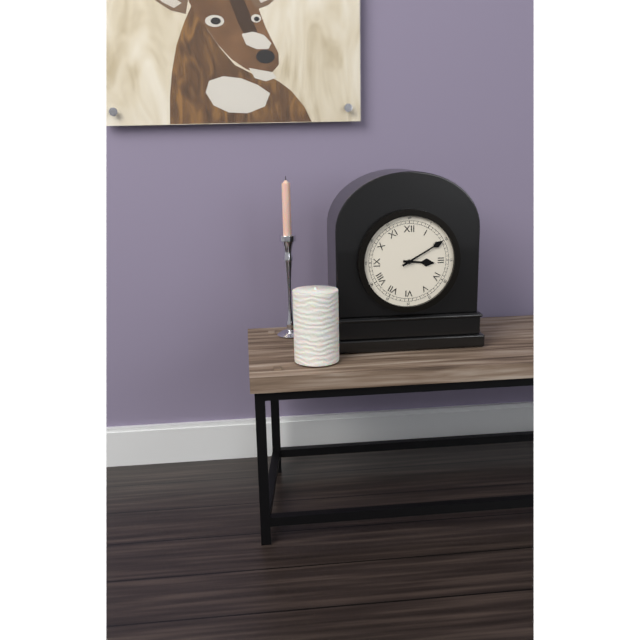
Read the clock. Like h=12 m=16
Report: h=3 m=10
